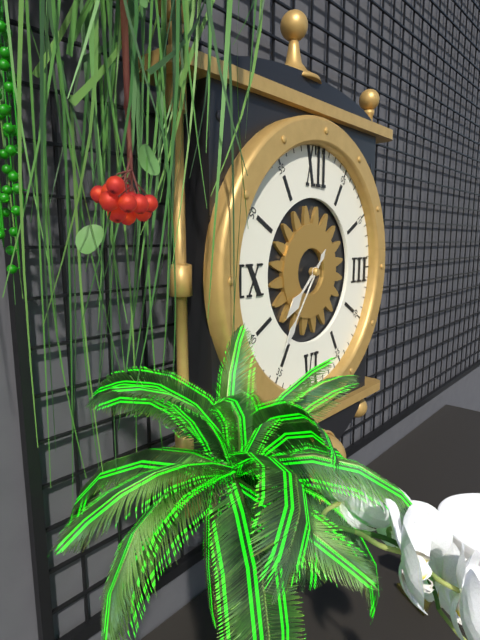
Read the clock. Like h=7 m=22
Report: h=7 m=36
